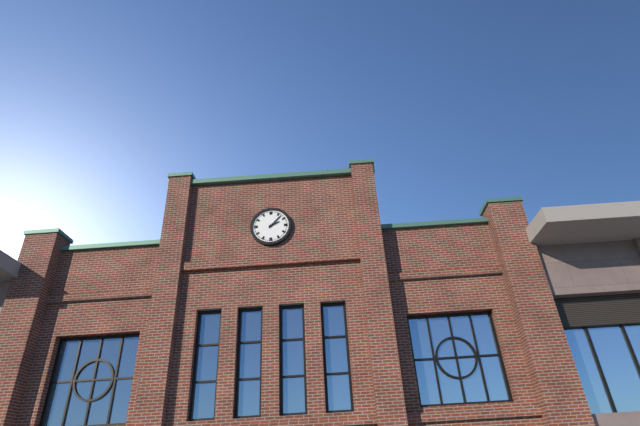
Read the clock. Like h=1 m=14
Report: h=2 m=7
